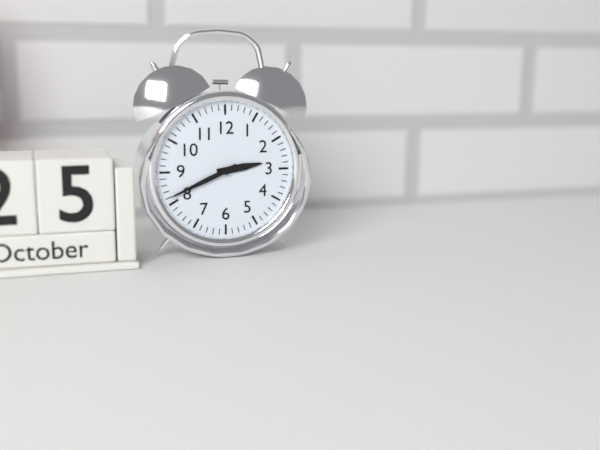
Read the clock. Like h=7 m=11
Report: h=2 m=41
